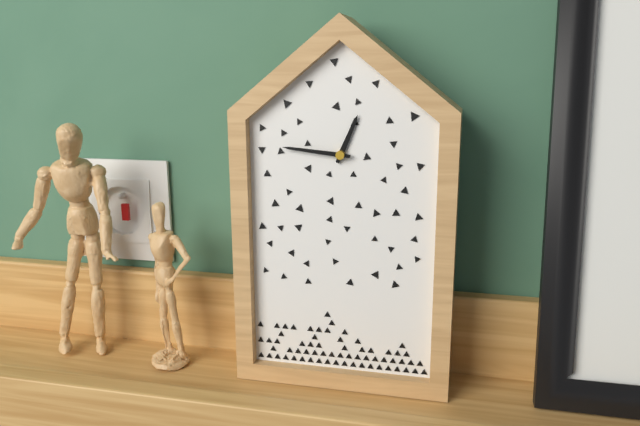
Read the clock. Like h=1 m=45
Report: h=12 m=46
